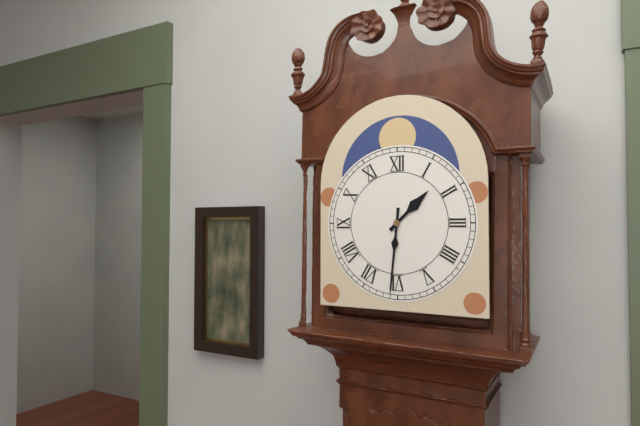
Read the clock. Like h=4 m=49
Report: h=1 m=31
